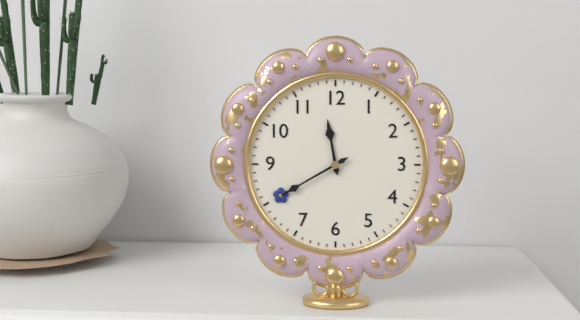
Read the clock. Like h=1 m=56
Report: h=11 m=40
